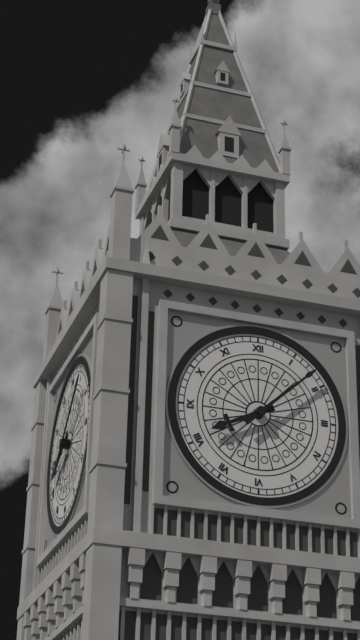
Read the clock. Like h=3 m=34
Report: h=8 m=8
